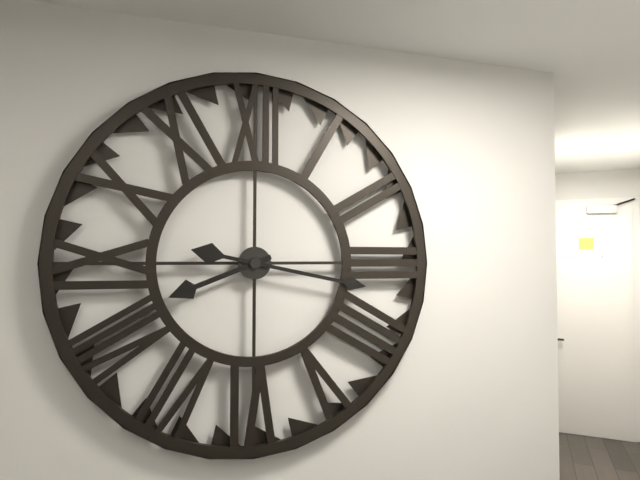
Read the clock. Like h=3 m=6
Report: h=8 m=17
